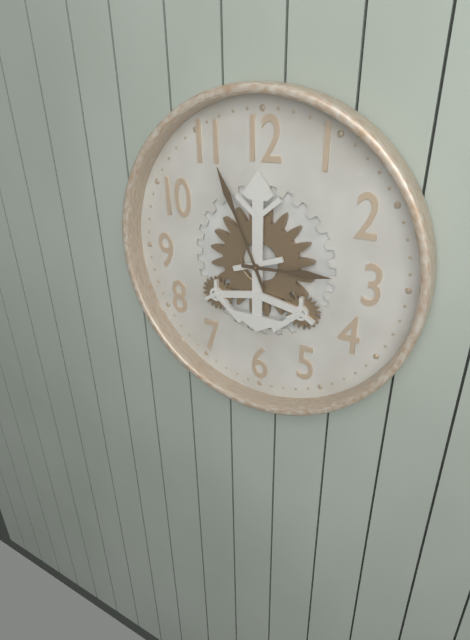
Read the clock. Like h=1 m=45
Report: h=2 m=56
